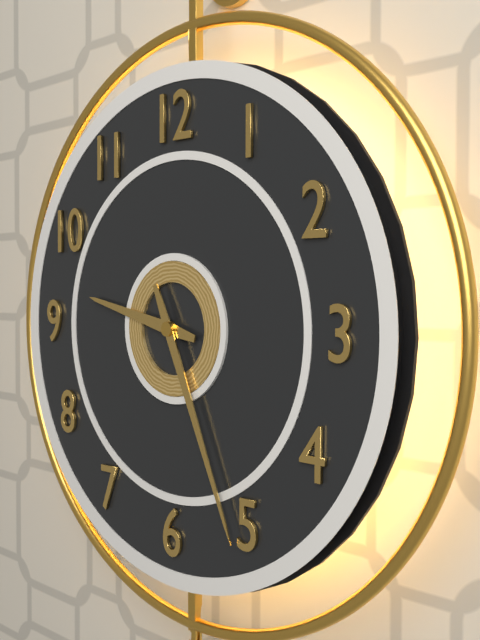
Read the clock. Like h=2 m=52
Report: h=9 m=26
